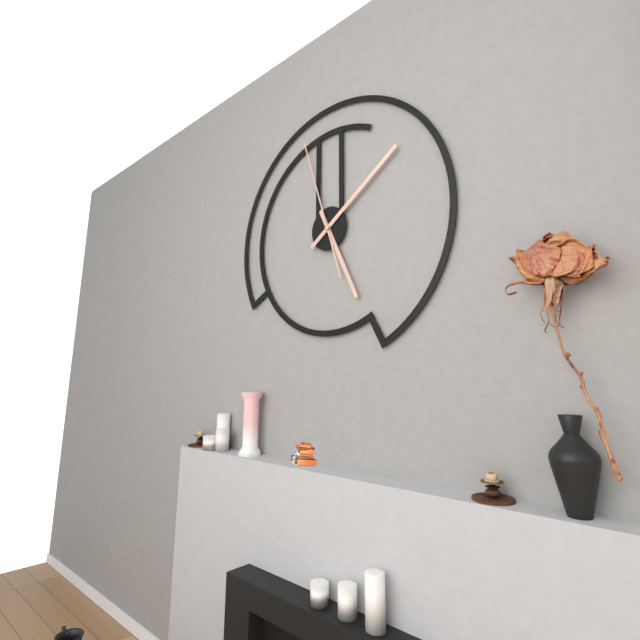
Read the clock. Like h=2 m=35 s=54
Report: h=5 m=9 s=57
